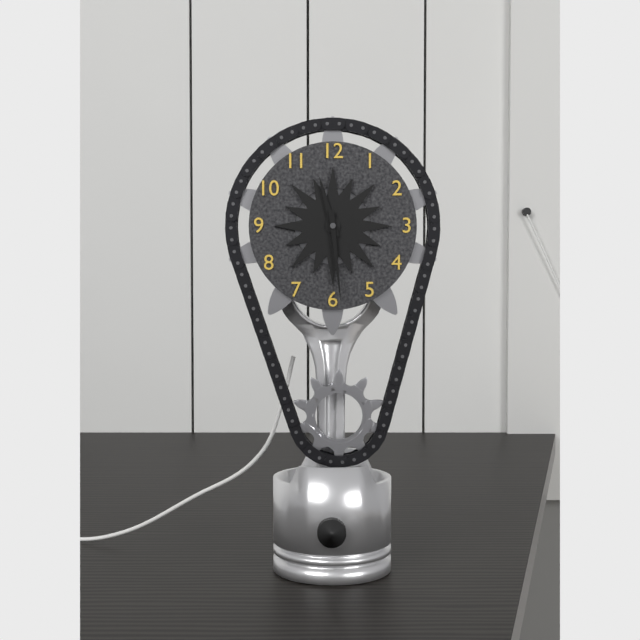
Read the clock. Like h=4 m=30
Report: h=11 m=29
